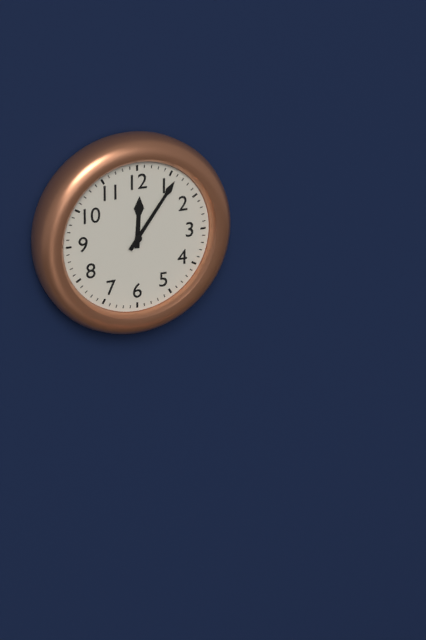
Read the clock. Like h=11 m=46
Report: h=12 m=6
